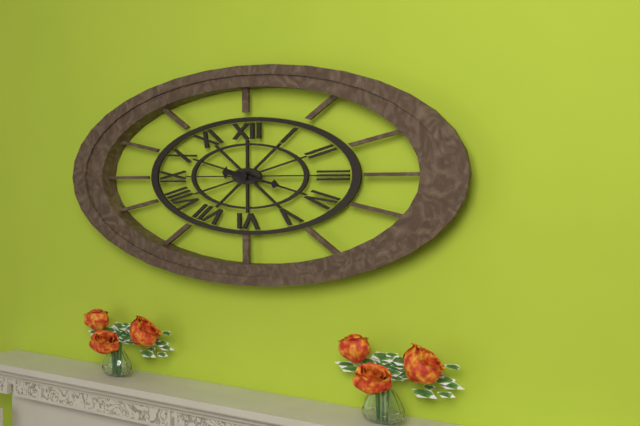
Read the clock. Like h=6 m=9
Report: h=9 m=17
